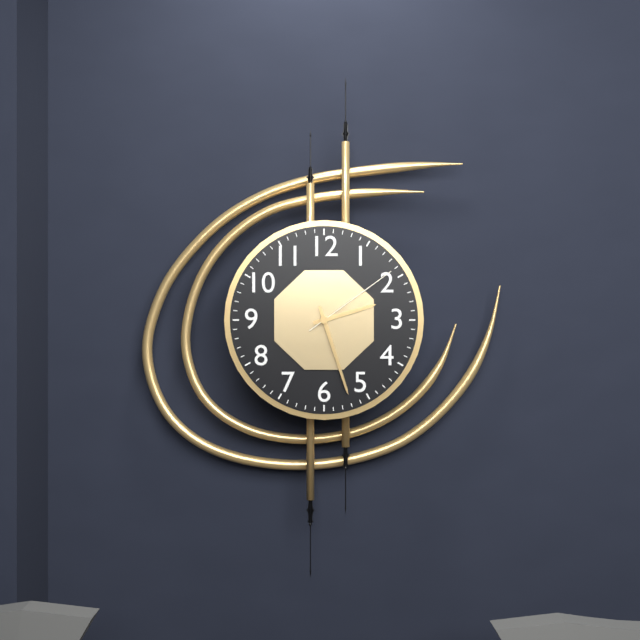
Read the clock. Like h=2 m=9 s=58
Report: h=2 m=27 s=9
